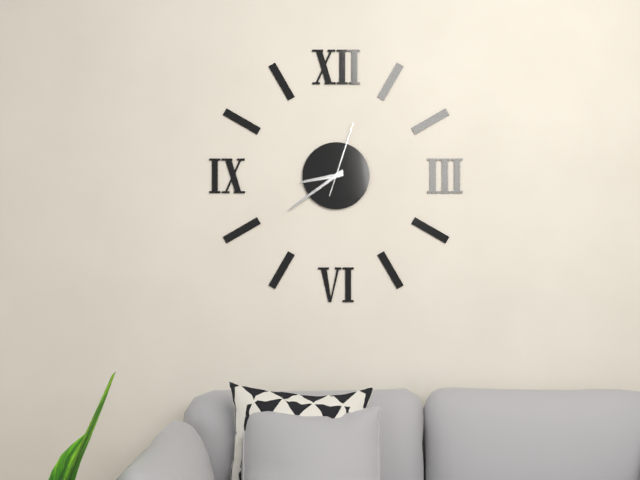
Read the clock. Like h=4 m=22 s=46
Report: h=8 m=39 s=3
